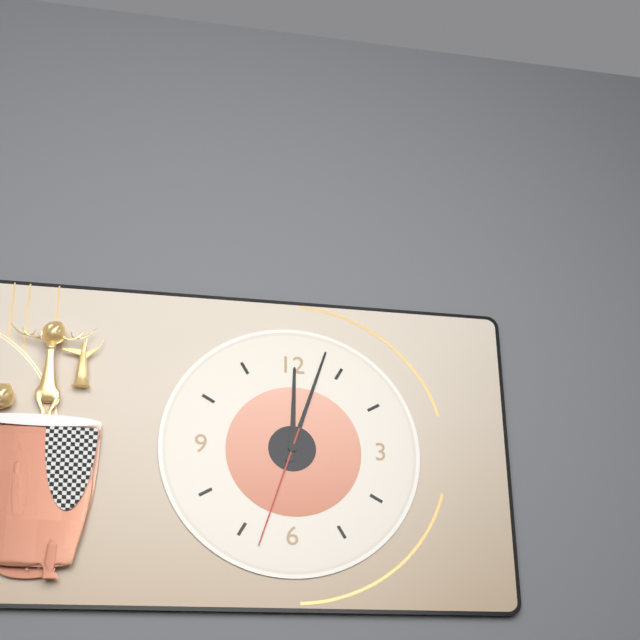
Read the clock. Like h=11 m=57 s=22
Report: h=12 m=3 s=33
